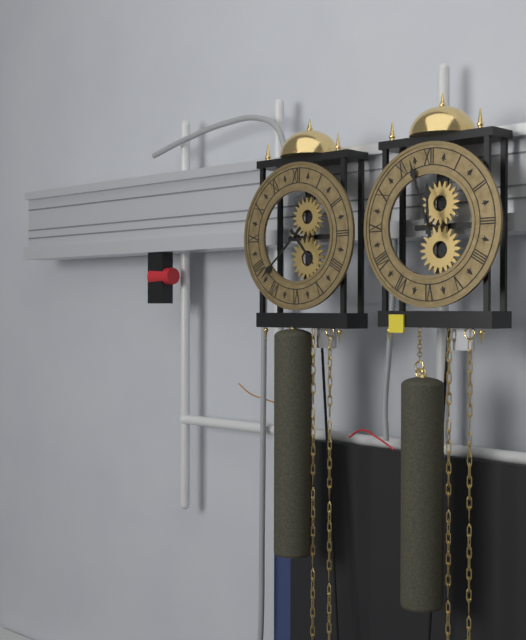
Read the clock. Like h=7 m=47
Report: h=4 m=38
